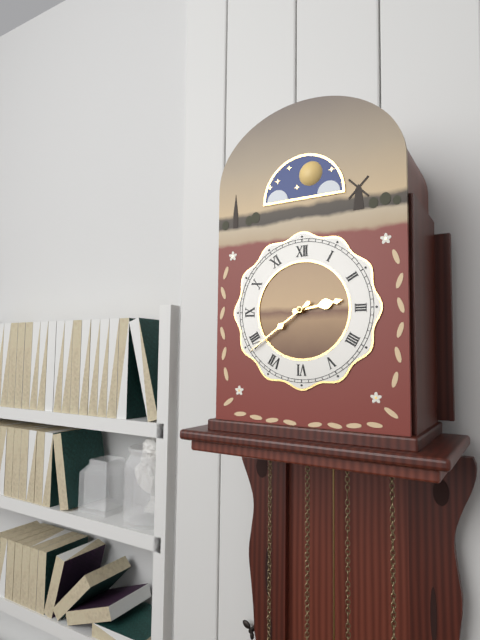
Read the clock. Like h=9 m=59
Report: h=2 m=39
